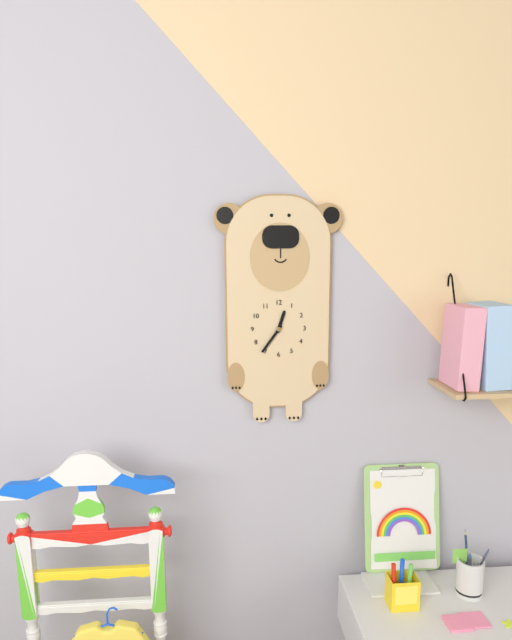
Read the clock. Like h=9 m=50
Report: h=12 m=36
